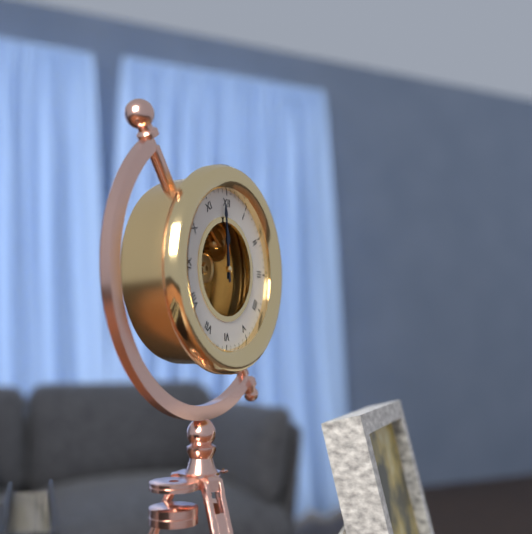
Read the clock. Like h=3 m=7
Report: h=11 m=59
